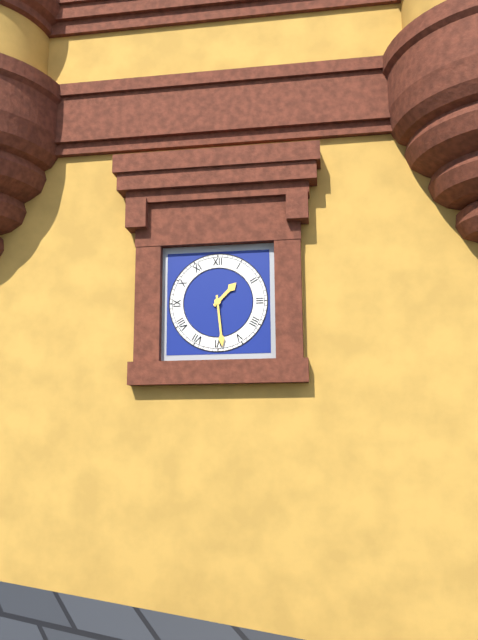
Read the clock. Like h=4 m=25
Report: h=1 m=29
